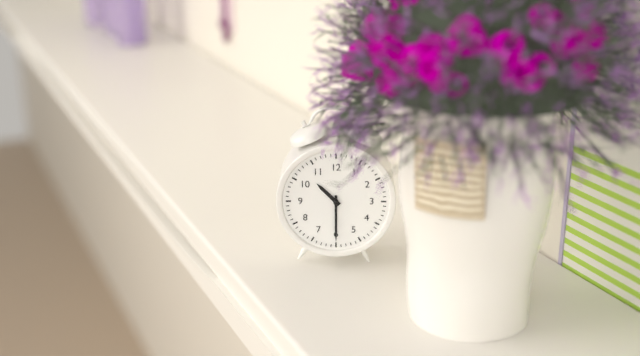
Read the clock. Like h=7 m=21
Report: h=10 m=30
